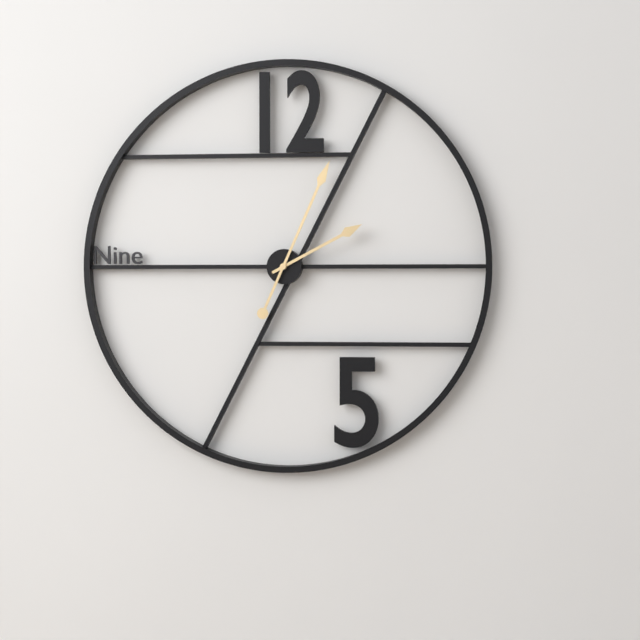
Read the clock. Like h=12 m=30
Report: h=2 m=4
